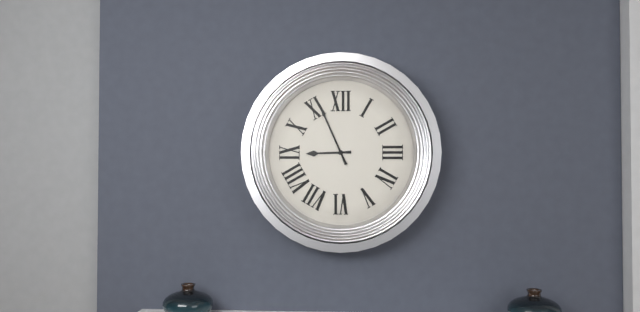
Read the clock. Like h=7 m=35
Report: h=8 m=56
